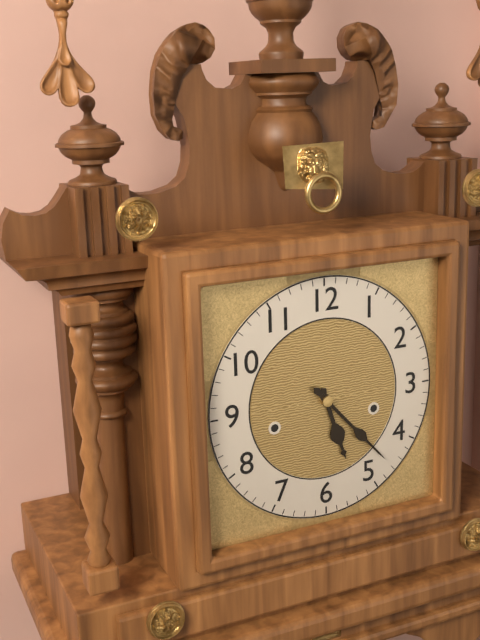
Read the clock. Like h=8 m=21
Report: h=5 m=23
